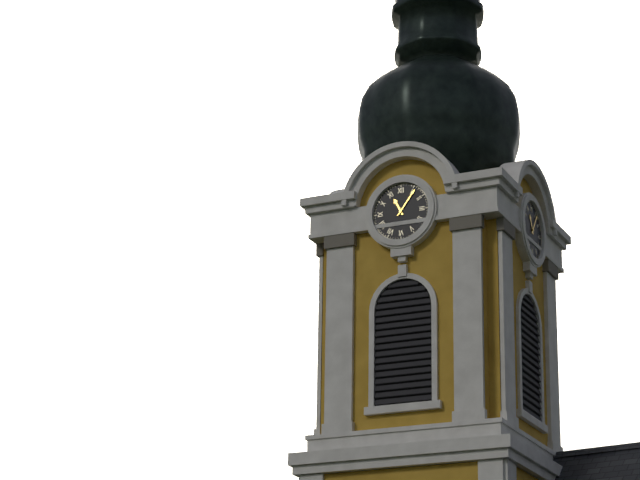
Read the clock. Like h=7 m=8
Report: h=11 m=6
